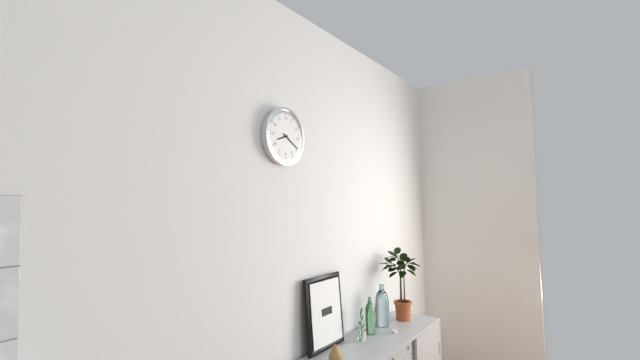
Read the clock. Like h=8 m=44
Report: h=8 m=20
